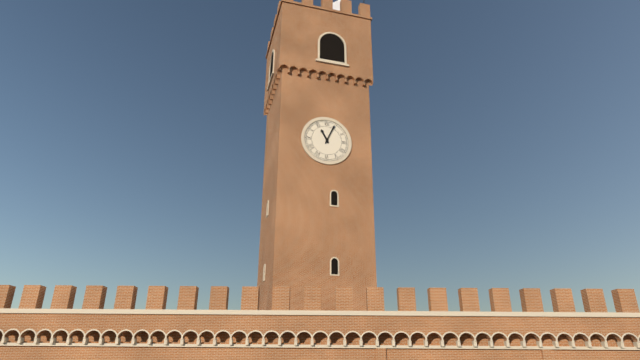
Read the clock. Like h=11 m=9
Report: h=11 m=4
